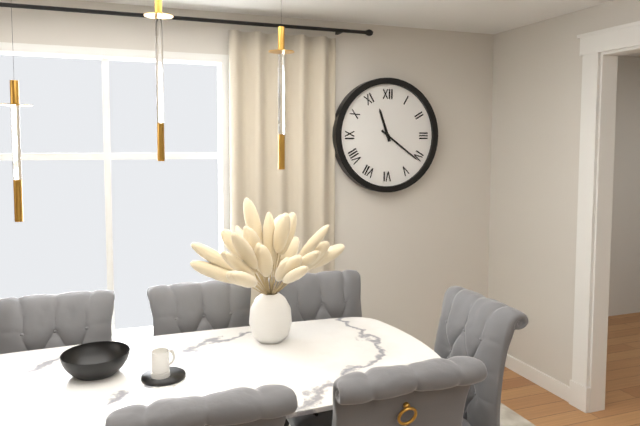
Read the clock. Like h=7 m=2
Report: h=11 m=21
